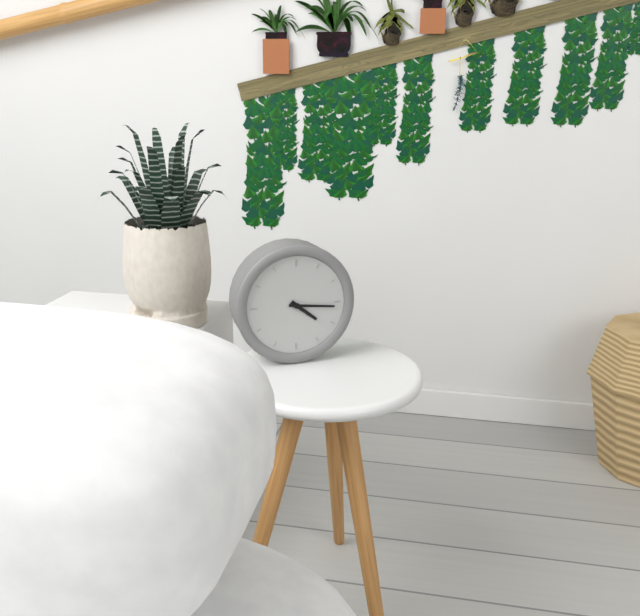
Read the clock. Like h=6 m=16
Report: h=4 m=16
